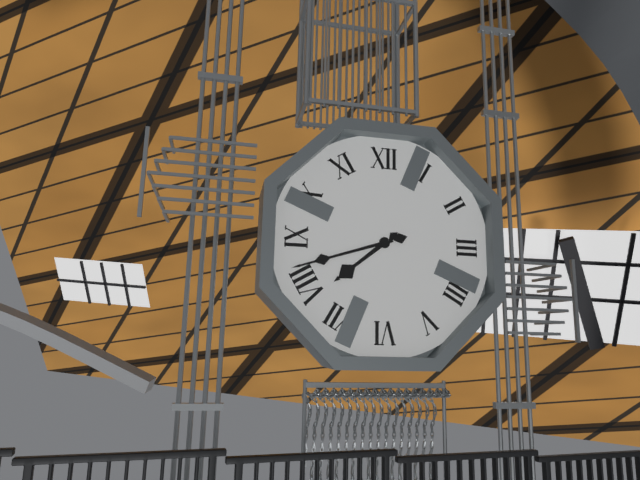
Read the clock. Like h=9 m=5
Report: h=7 m=42
